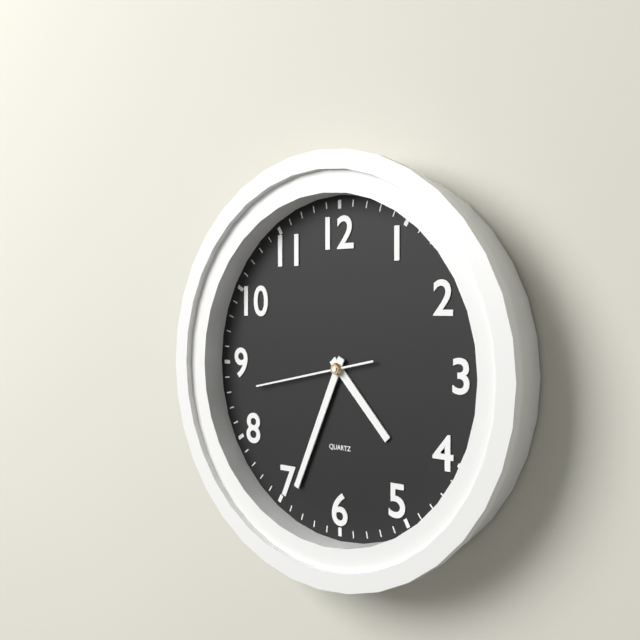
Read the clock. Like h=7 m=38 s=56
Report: h=4 m=34 s=43
